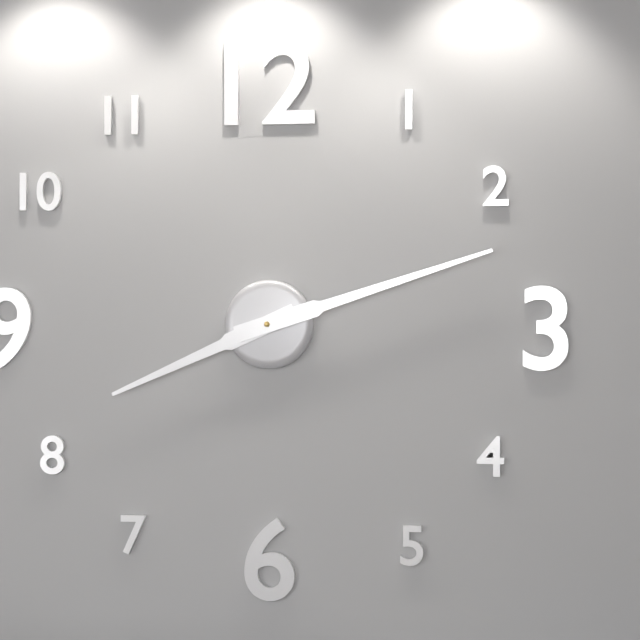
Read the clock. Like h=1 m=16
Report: h=8 m=12
